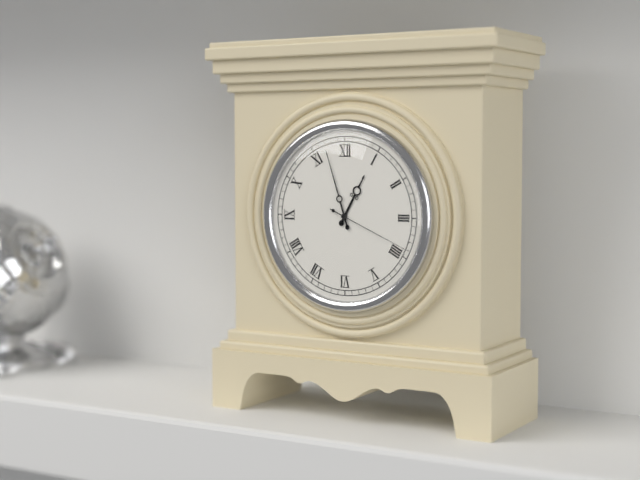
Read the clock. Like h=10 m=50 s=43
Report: h=12 m=57 s=19
